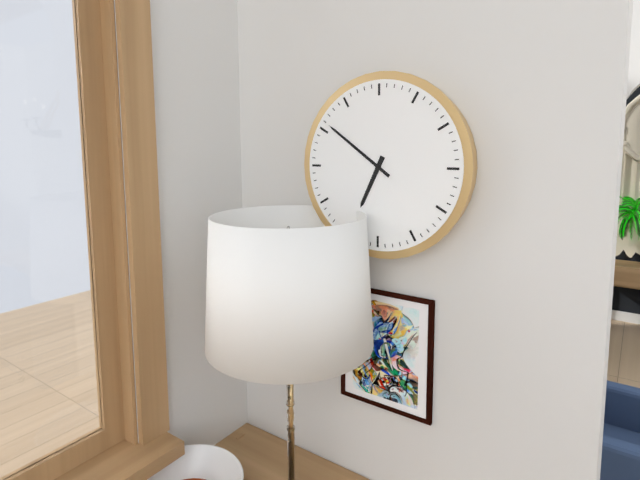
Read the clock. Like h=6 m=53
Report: h=6 m=51
